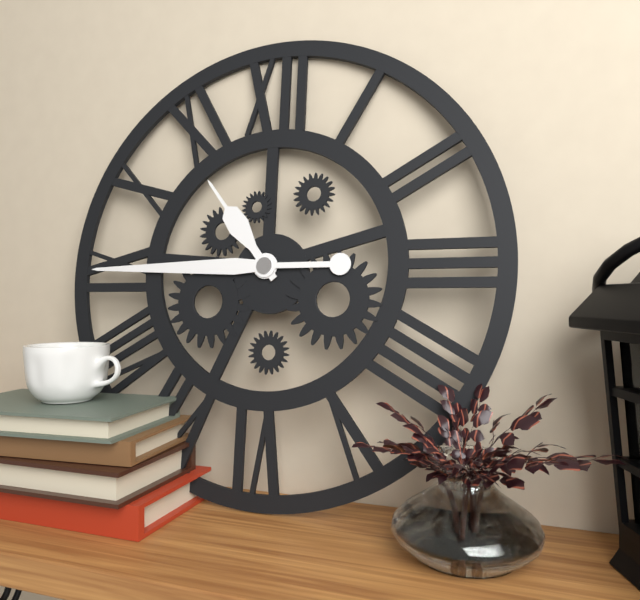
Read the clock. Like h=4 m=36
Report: h=10 m=45
